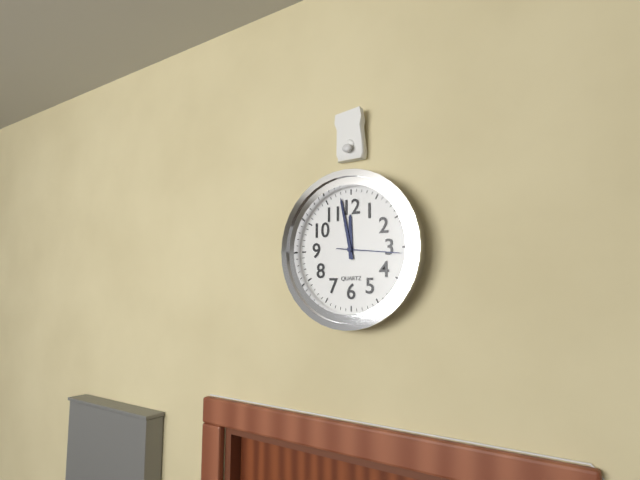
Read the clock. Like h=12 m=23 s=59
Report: h=11 m=58 s=16
